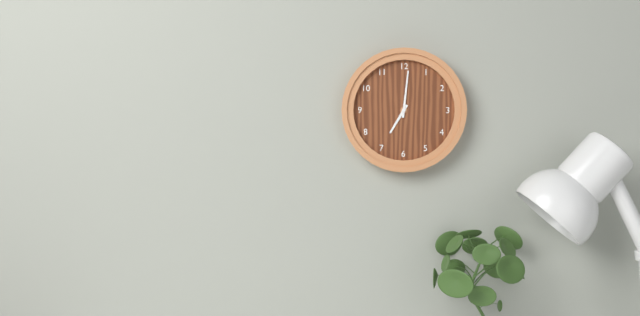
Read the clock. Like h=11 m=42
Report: h=7 m=1
